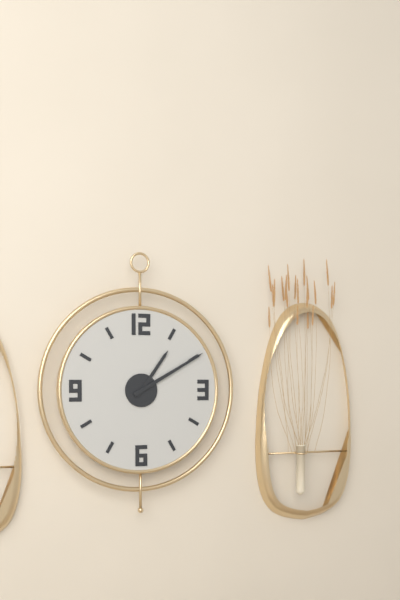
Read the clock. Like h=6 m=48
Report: h=1 m=10
